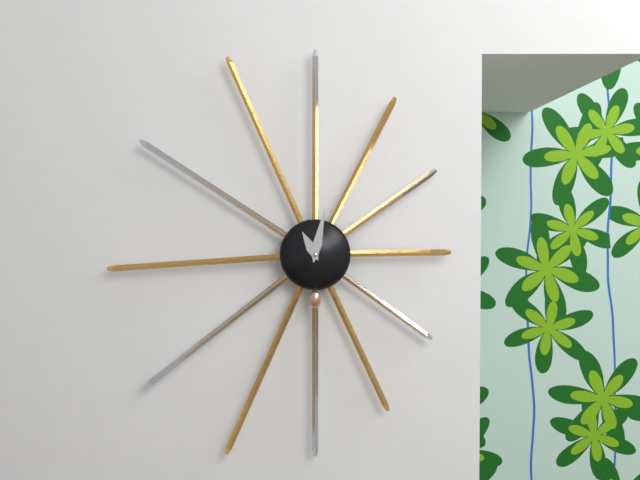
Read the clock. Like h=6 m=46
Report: h=11 m=2
